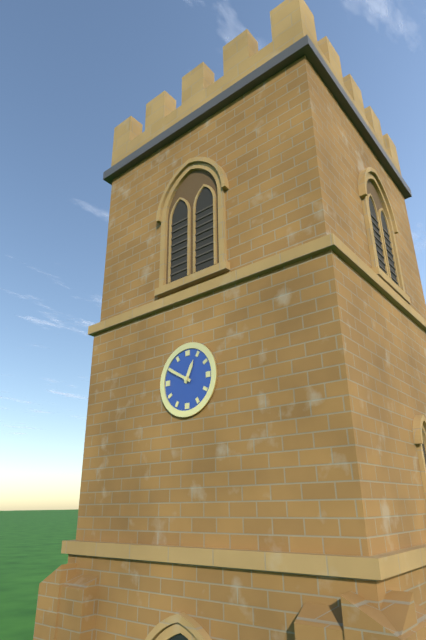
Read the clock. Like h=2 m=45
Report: h=12 m=50
